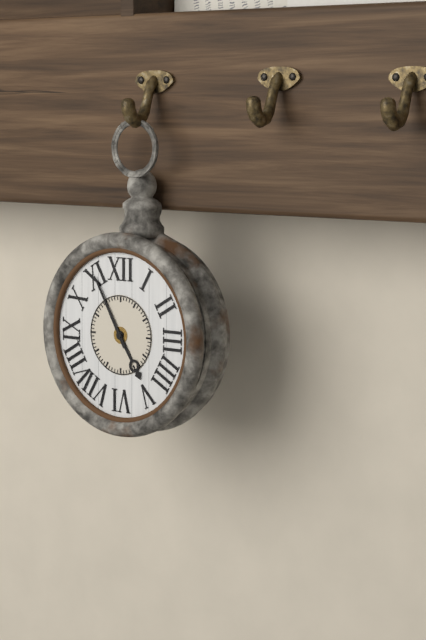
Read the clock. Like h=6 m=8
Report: h=4 m=55
